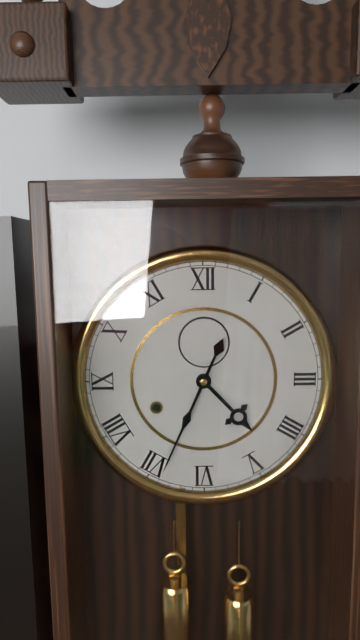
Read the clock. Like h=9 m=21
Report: h=4 m=34
